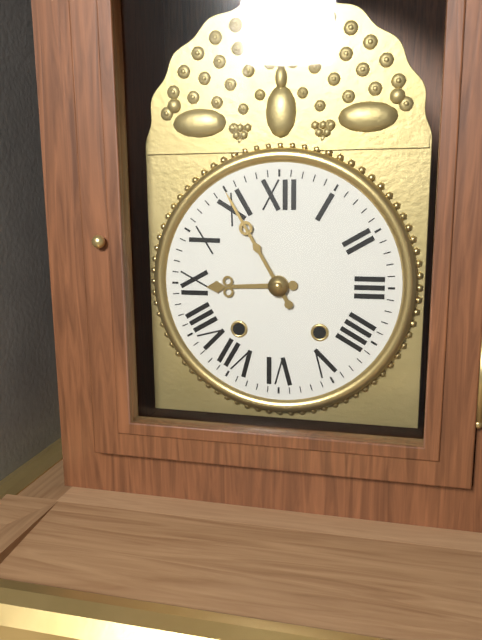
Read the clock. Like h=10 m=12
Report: h=8 m=55
